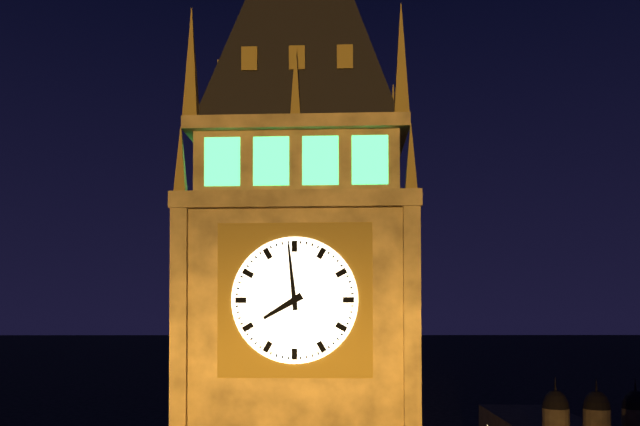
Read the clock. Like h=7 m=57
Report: h=7 m=59
